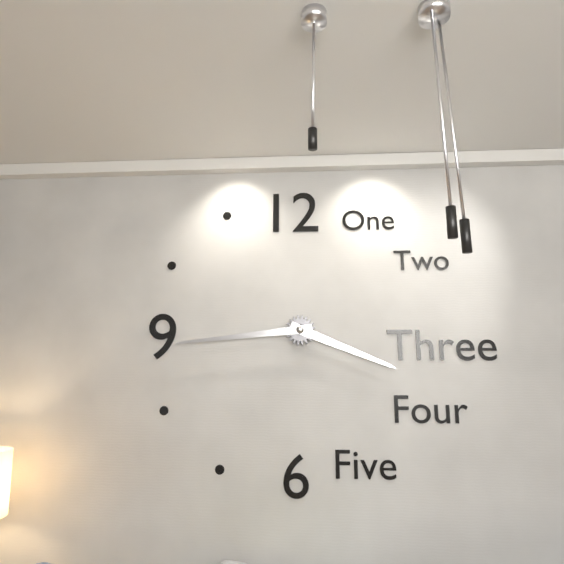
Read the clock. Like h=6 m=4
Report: h=3 m=44
